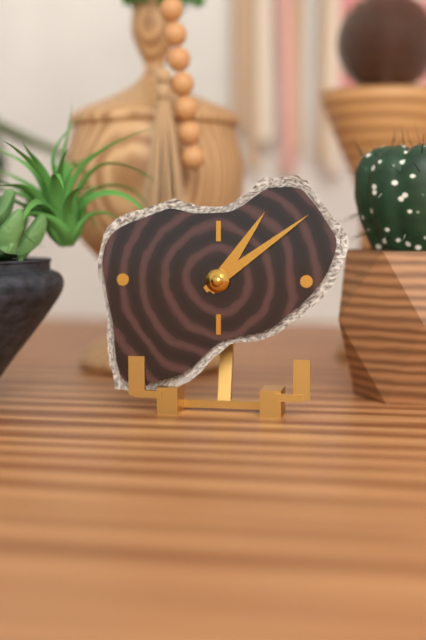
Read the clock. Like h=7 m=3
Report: h=1 m=9
